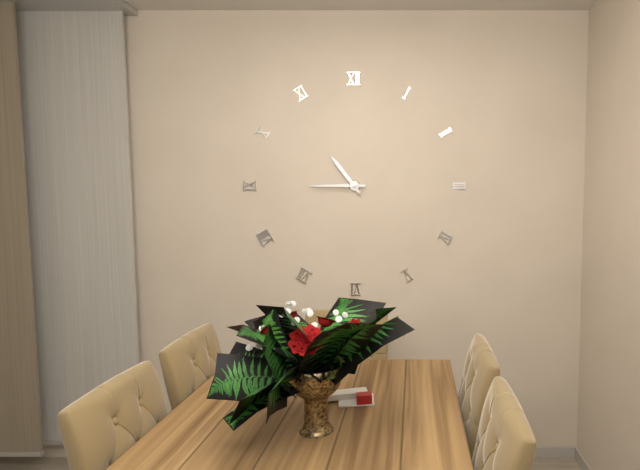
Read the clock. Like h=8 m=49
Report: h=10 m=45
